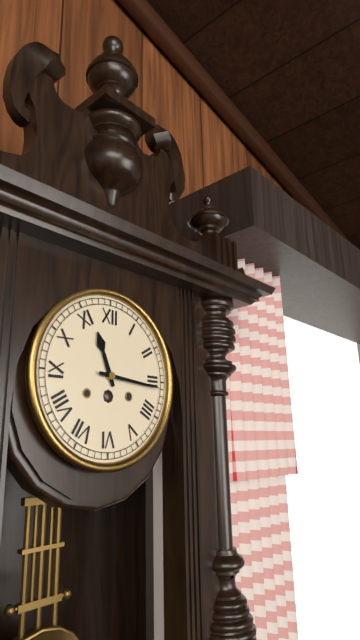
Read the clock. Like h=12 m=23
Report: h=11 m=16
